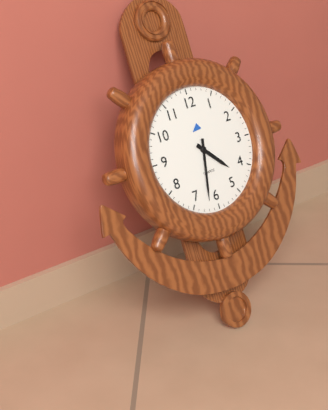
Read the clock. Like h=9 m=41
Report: h=4 m=32
